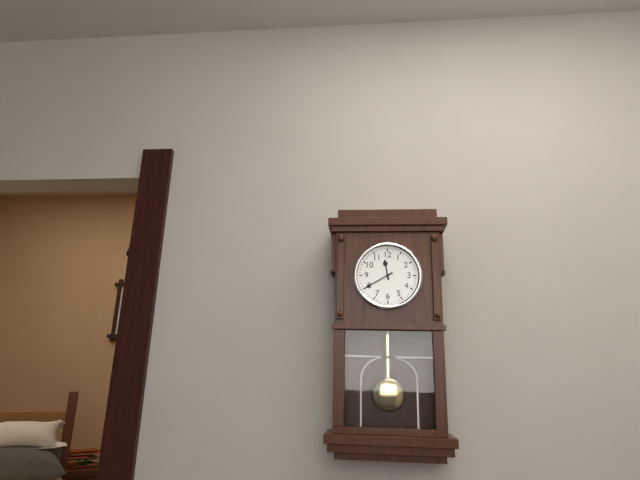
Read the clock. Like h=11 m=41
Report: h=11 m=40
